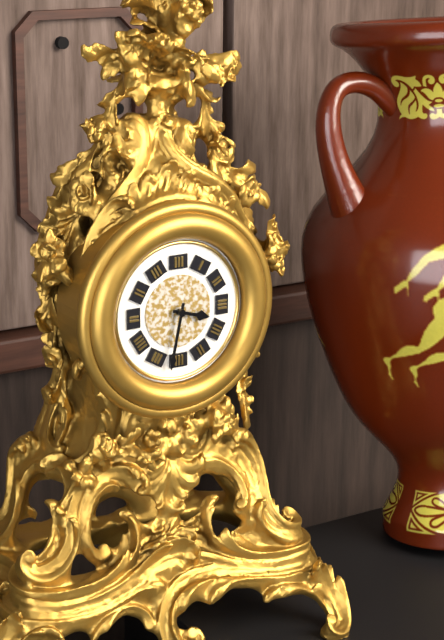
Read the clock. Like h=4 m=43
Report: h=3 m=32
